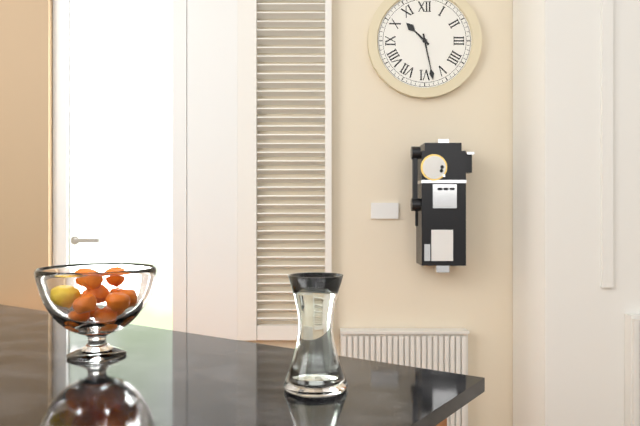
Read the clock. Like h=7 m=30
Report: h=10 m=28
